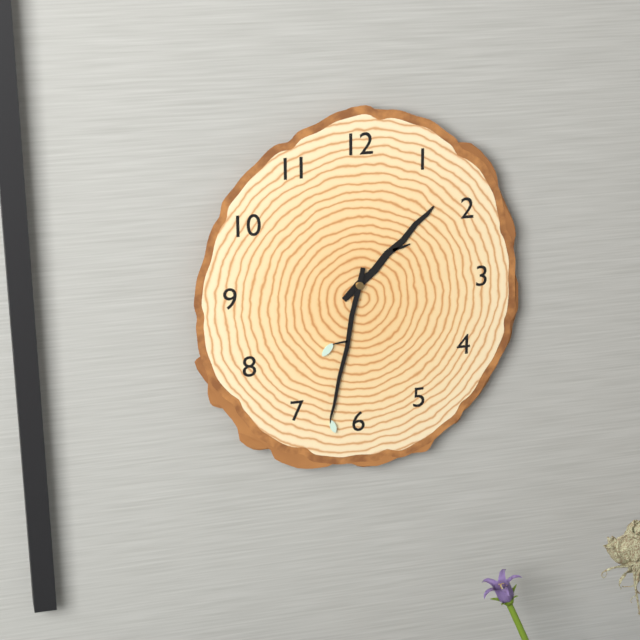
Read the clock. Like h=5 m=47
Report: h=1 m=32
